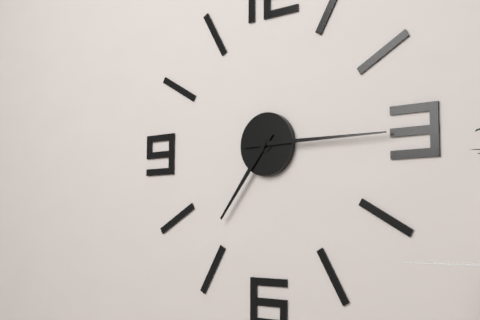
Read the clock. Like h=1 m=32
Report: h=7 m=15
